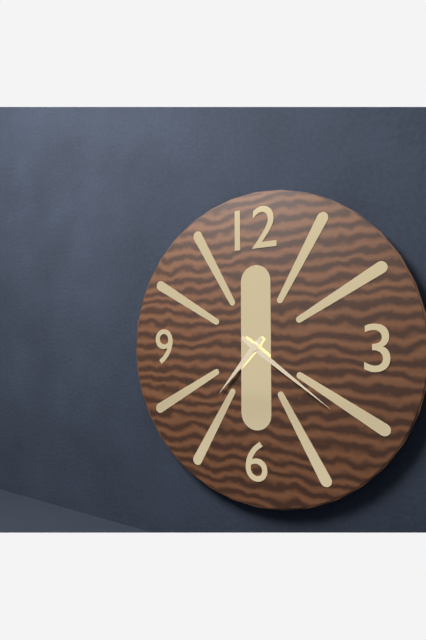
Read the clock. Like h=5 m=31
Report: h=7 m=21
